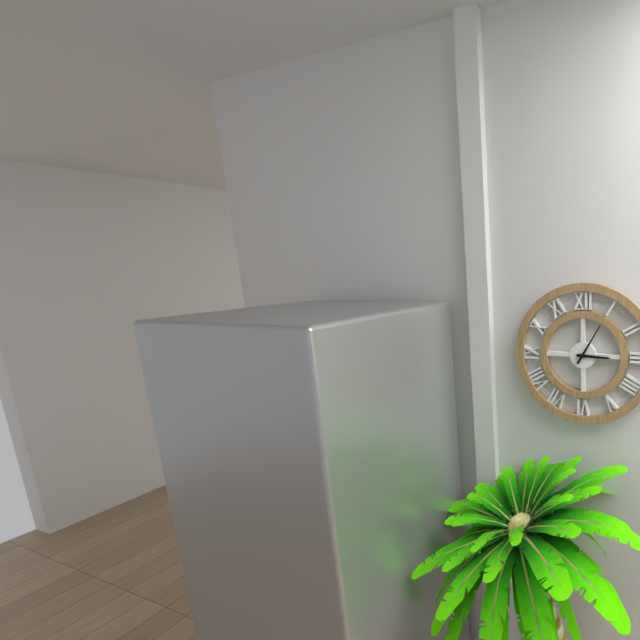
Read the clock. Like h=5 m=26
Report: h=3 m=5
